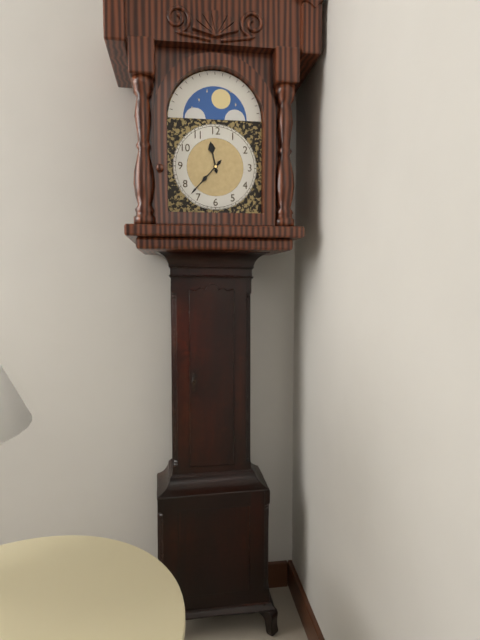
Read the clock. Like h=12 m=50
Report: h=11 m=37
